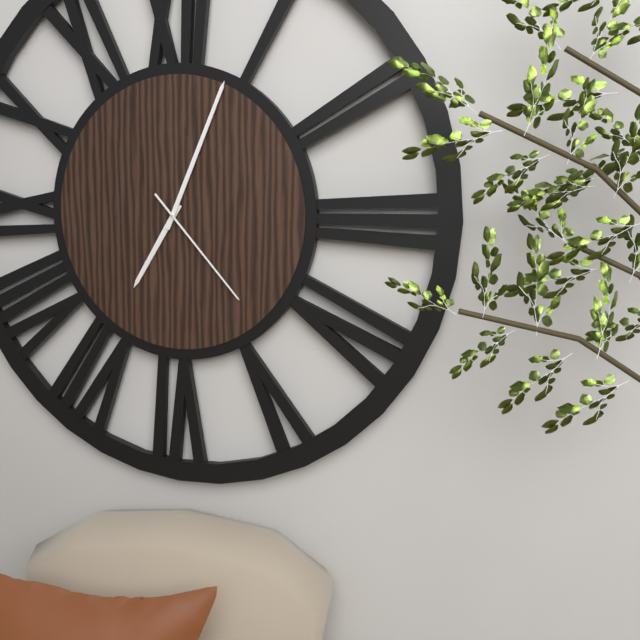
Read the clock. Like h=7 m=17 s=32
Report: h=7 m=4 s=23
